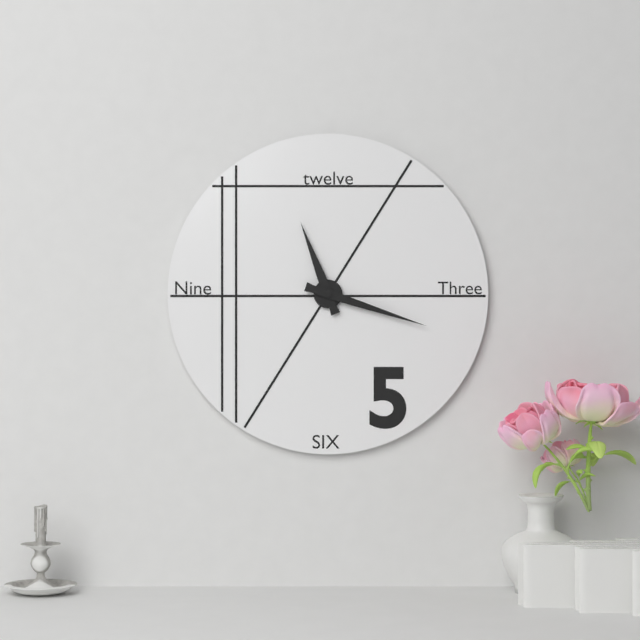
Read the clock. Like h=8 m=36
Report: h=11 m=18
